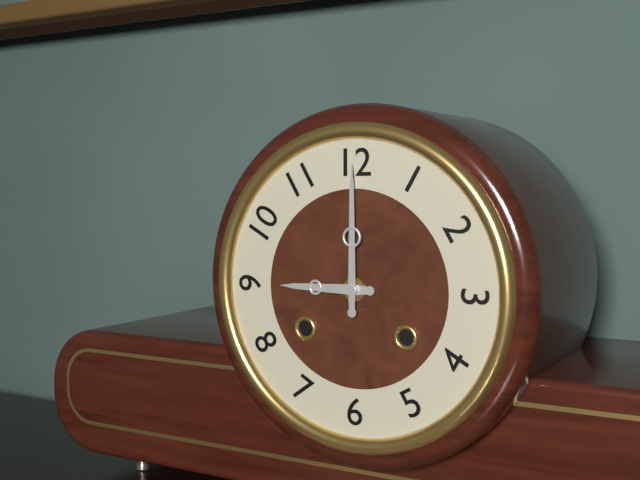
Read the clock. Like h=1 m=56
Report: h=9 m=0
